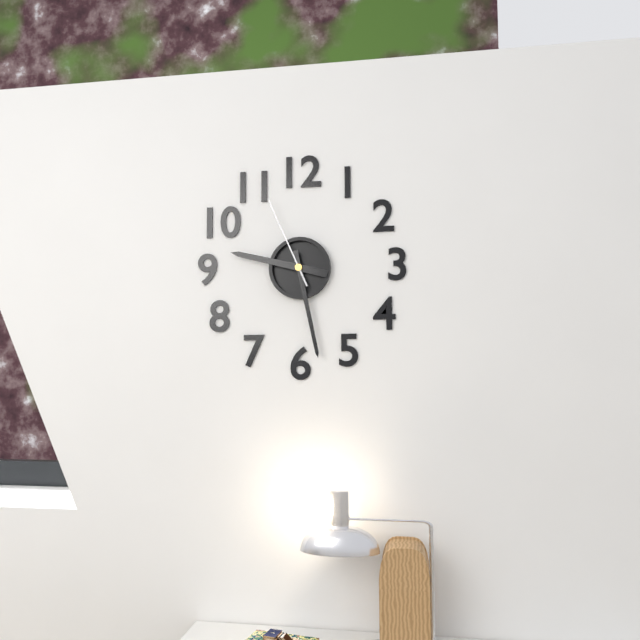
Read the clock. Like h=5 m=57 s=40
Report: h=9 m=28 s=56
